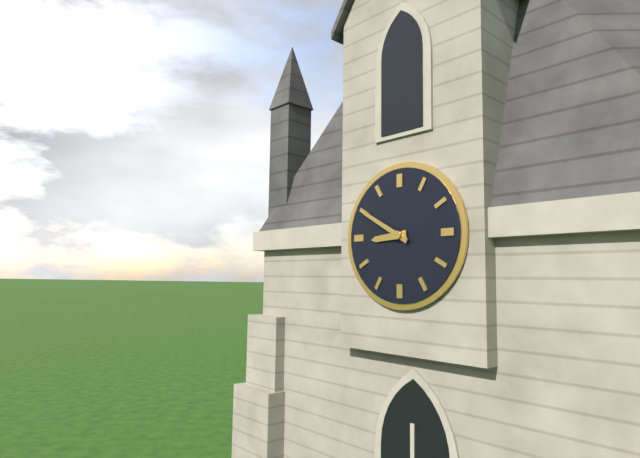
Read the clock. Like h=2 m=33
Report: h=8 m=50
